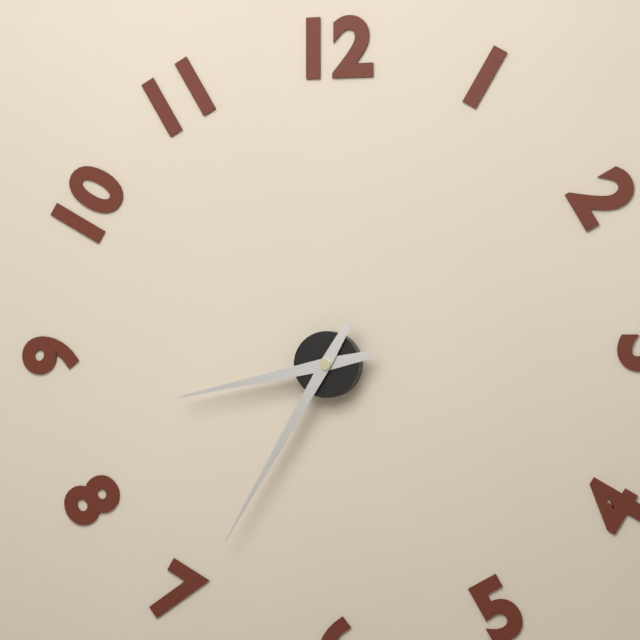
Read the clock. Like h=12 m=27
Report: h=8 m=35
